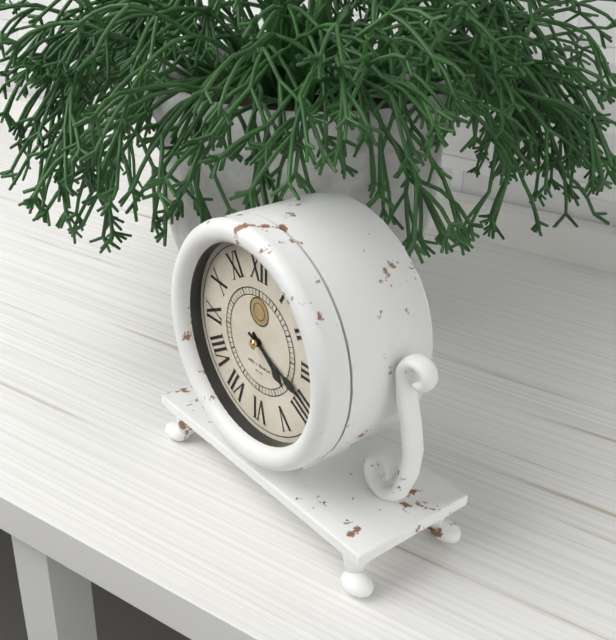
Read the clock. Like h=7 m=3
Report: h=4 m=19
